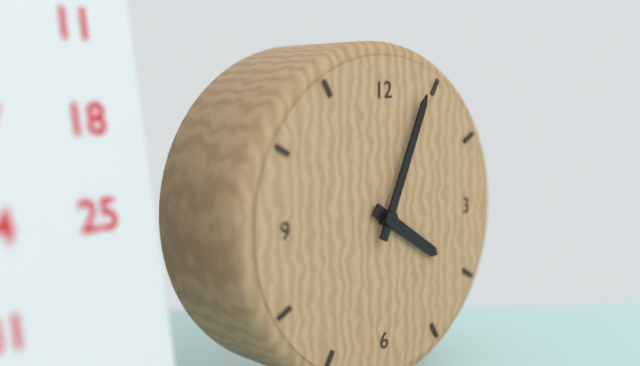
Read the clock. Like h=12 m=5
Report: h=4 m=4
